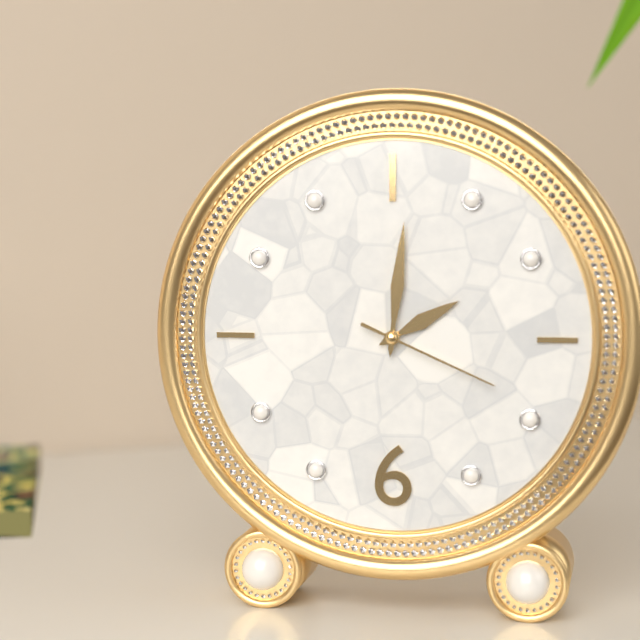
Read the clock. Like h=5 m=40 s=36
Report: h=2 m=1 s=19
